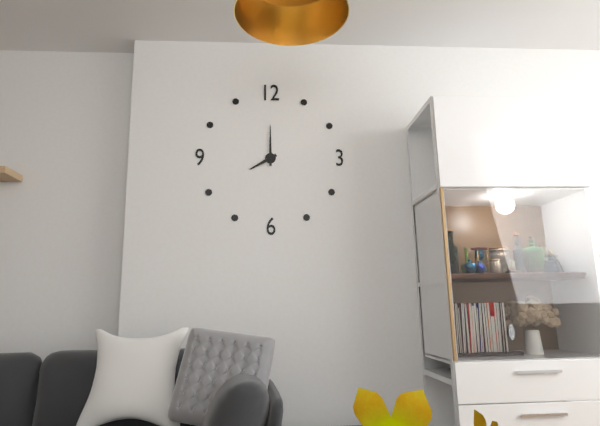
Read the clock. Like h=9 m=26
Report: h=8 m=0
